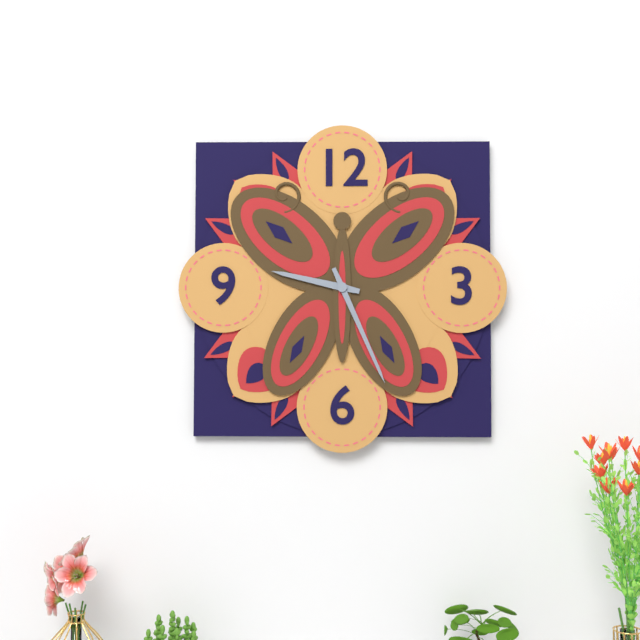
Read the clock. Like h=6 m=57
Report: h=9 m=26
